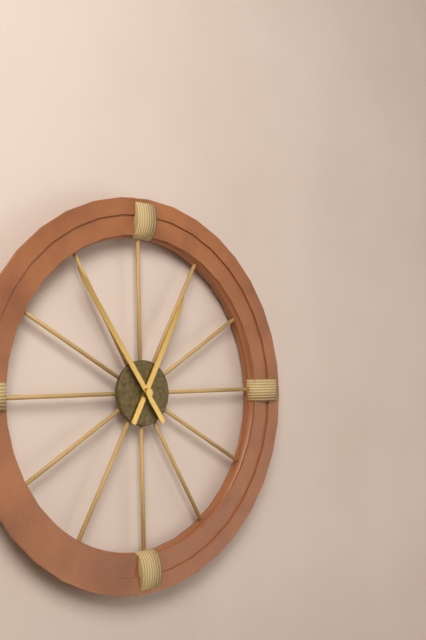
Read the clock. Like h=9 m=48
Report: h=12 m=54
